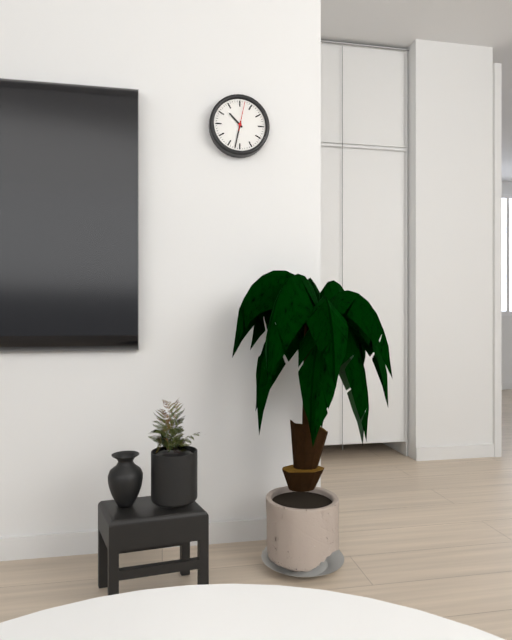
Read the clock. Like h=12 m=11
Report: h=10 m=32
